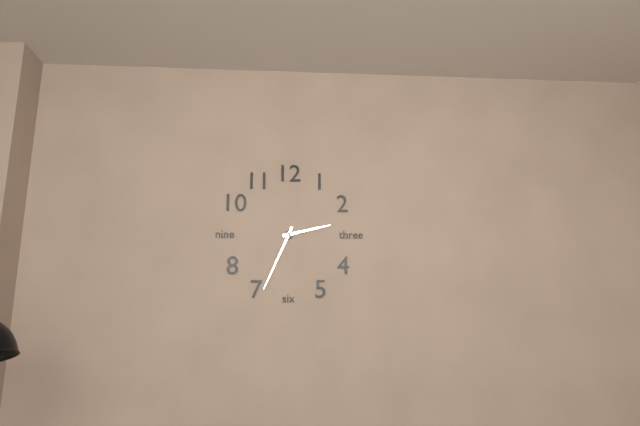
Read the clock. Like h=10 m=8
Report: h=2 m=34
